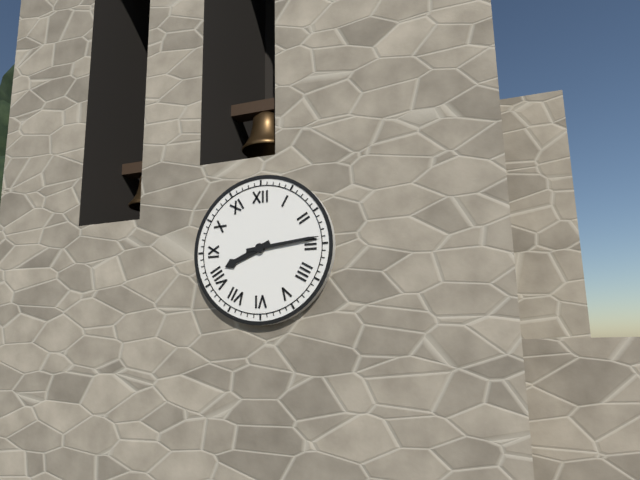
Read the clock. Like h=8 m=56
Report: h=8 m=14
